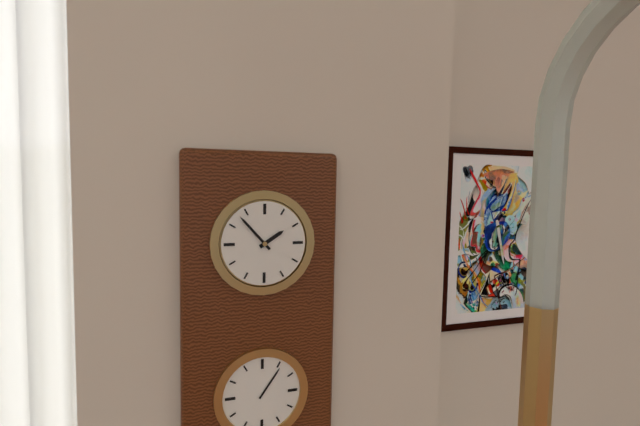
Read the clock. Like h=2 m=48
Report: h=1 m=53
